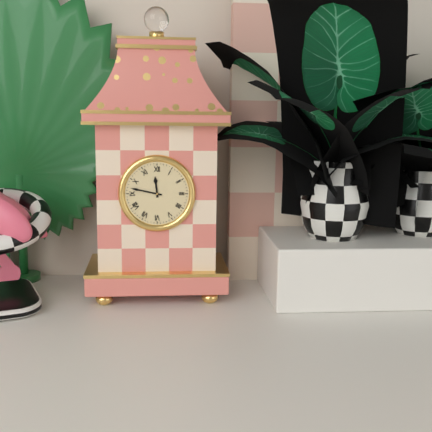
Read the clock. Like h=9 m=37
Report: h=11 m=47
